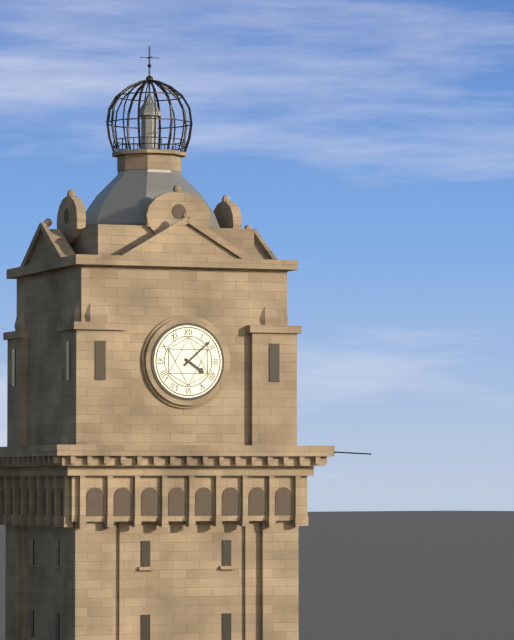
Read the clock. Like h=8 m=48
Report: h=4 m=8
